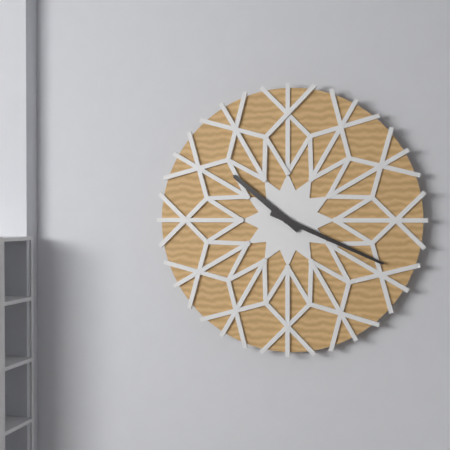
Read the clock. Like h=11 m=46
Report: h=10 m=19
